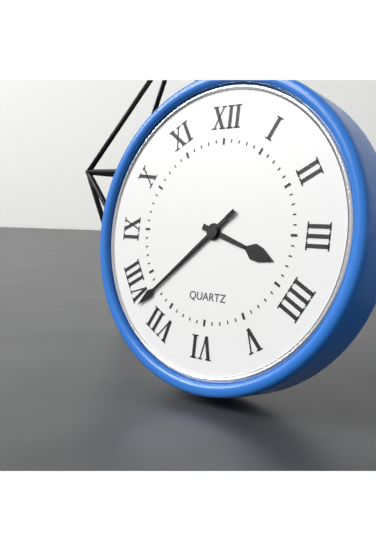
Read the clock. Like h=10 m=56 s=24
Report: h=3 m=38 s=38
